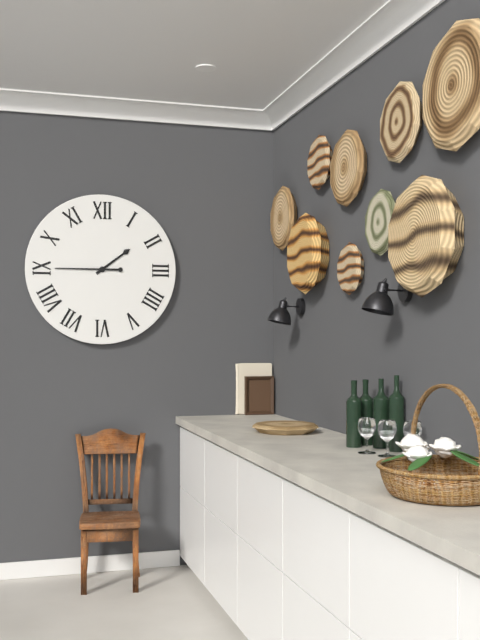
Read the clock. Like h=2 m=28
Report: h=1 m=45
